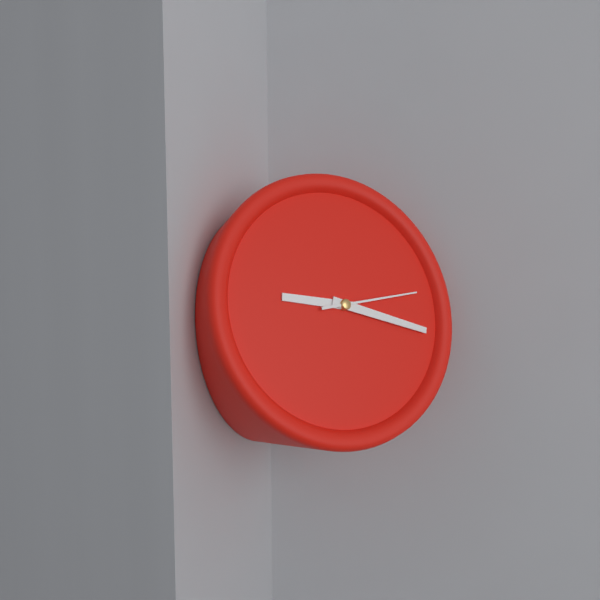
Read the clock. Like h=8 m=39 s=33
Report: h=9 m=18 s=14
